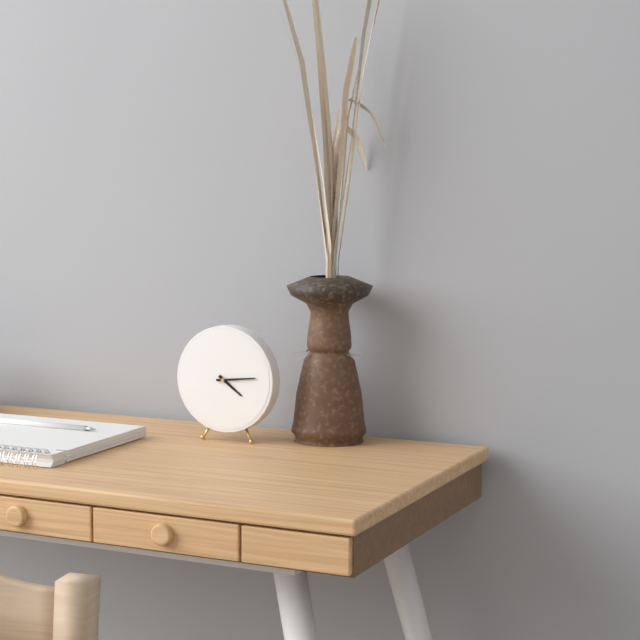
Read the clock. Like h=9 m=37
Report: h=4 m=14
